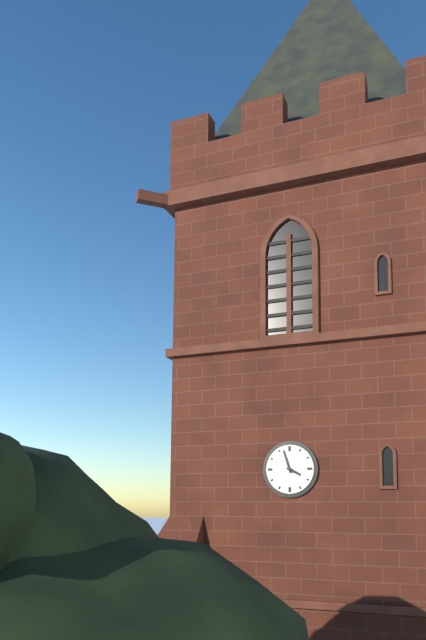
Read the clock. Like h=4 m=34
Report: h=3 m=57
